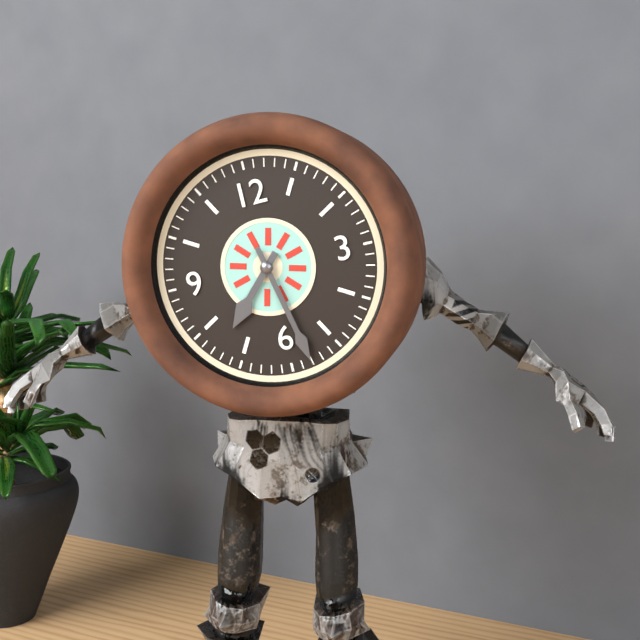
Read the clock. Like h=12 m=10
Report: h=7 m=28
